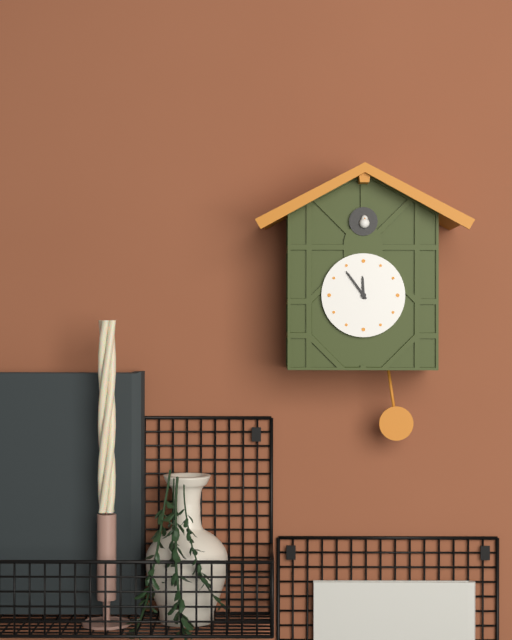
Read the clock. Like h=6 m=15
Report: h=11 m=54
